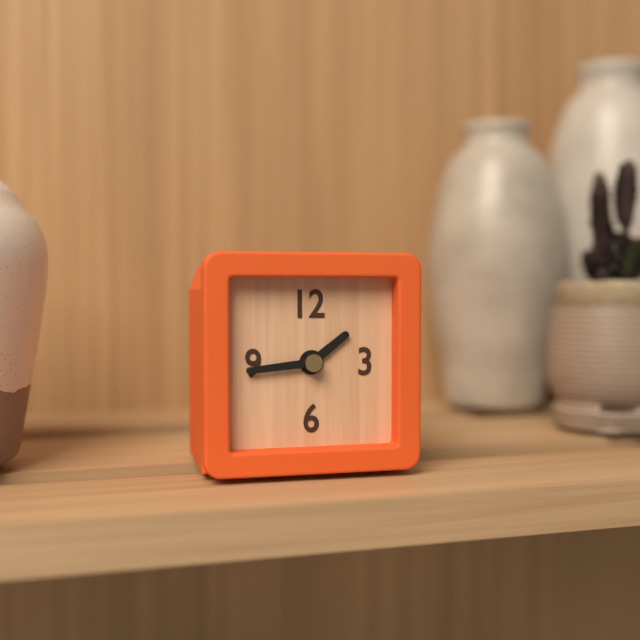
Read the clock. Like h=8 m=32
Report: h=1 m=44
